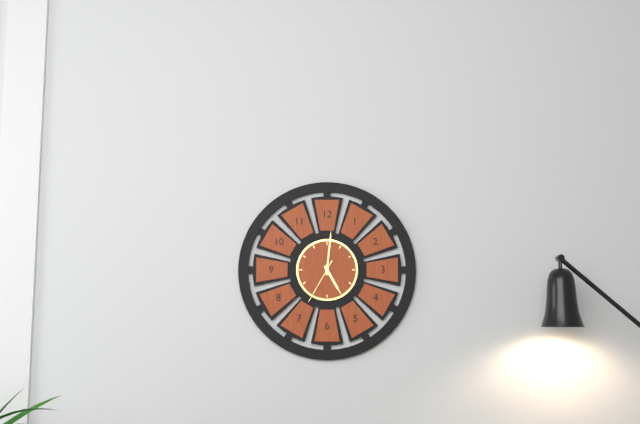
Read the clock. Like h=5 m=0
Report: h=5 m=1
